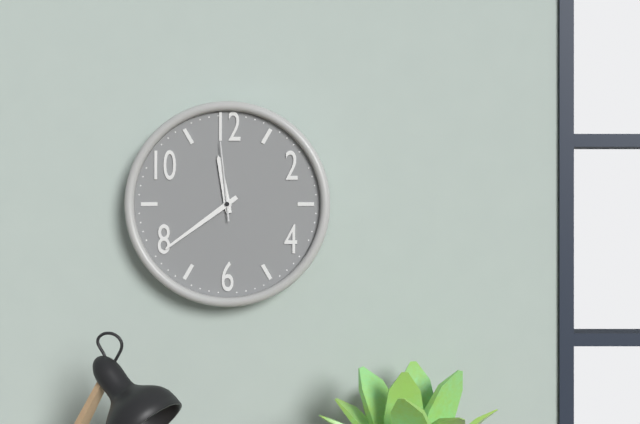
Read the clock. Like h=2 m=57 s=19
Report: h=11 m=39 s=59
